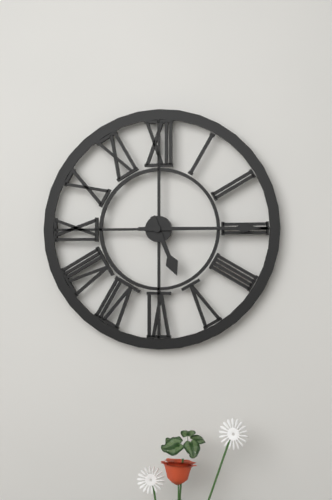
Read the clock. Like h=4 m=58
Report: h=5 m=15
